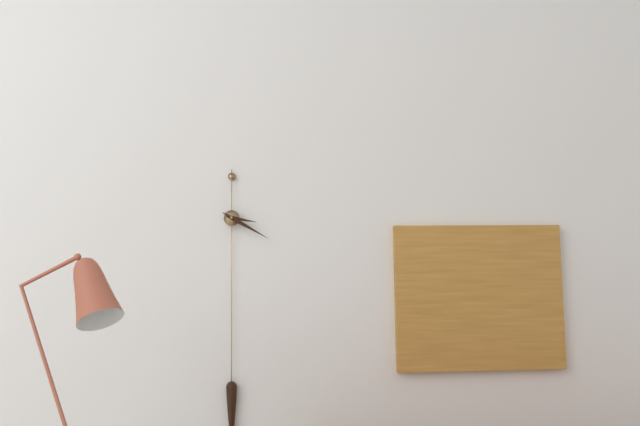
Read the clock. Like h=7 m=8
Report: h=3 m=20
